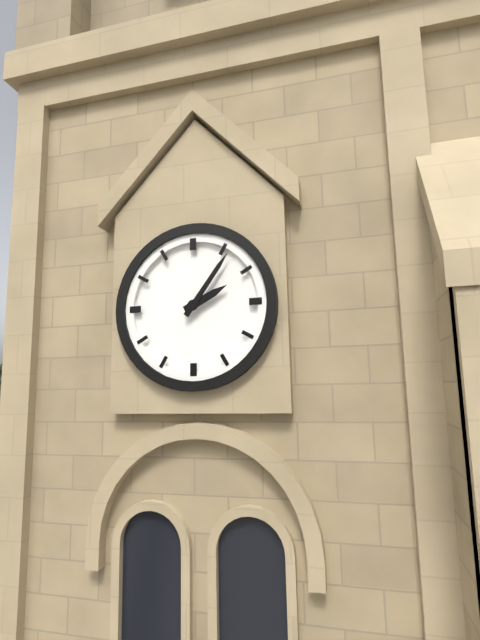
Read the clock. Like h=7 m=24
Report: h=2 m=6
